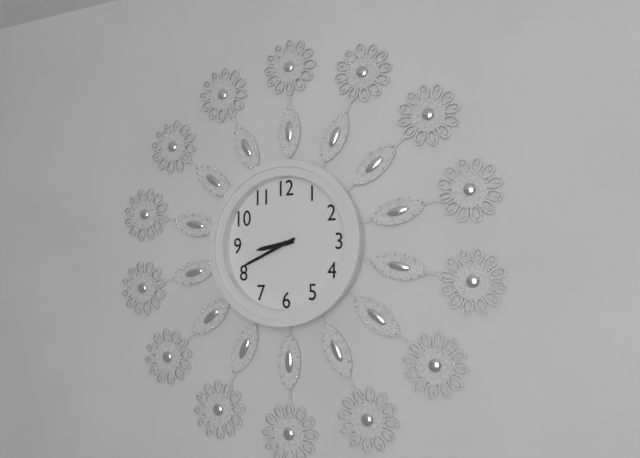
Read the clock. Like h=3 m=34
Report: h=8 m=41
